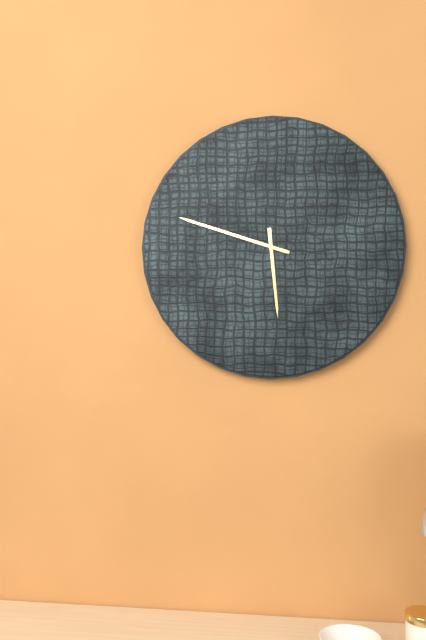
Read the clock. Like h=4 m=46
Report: h=5 m=48
